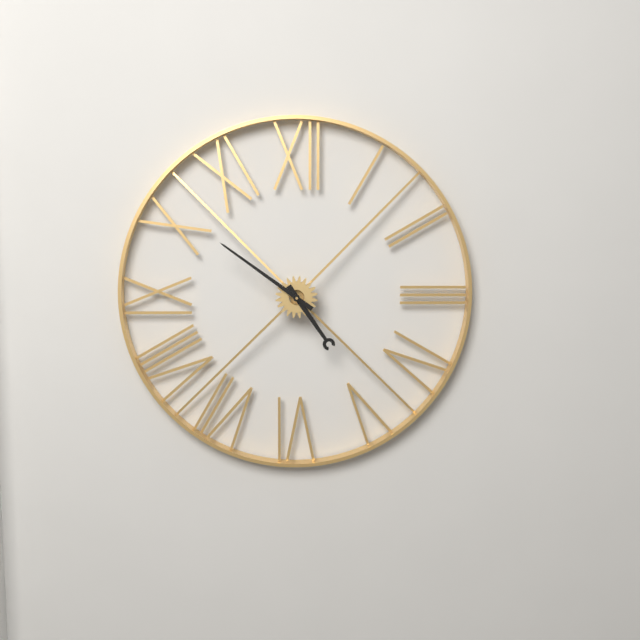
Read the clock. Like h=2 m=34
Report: h=4 m=51
